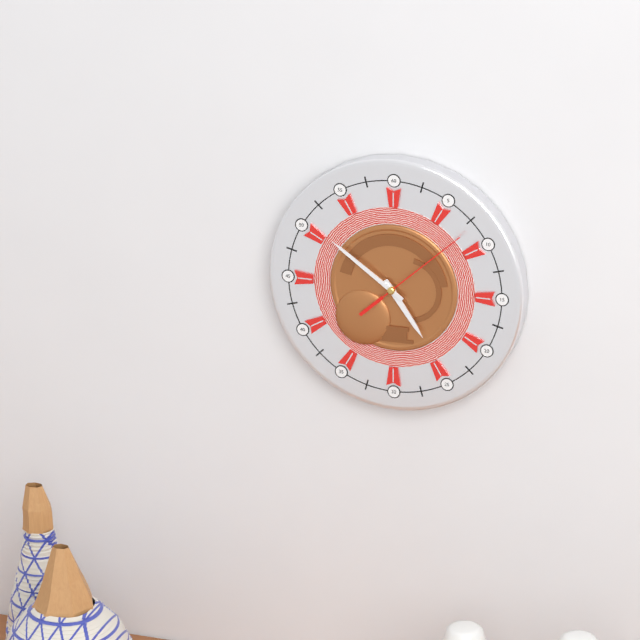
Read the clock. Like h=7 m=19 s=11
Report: h=4 m=51 s=8
